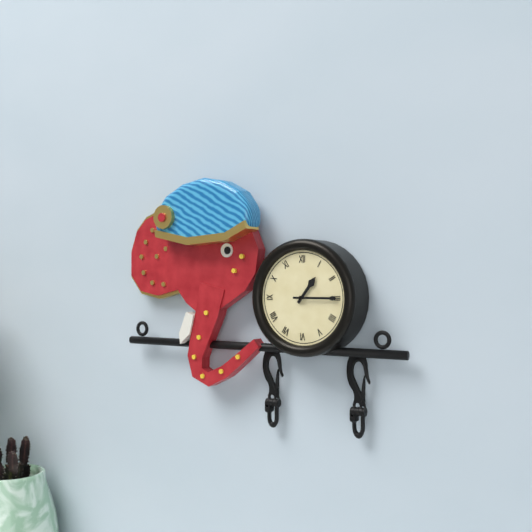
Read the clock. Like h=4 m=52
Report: h=1 m=15
